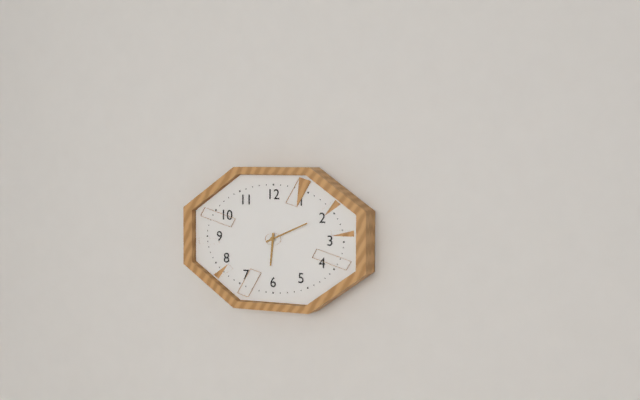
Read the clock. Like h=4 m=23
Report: h=6 m=11
